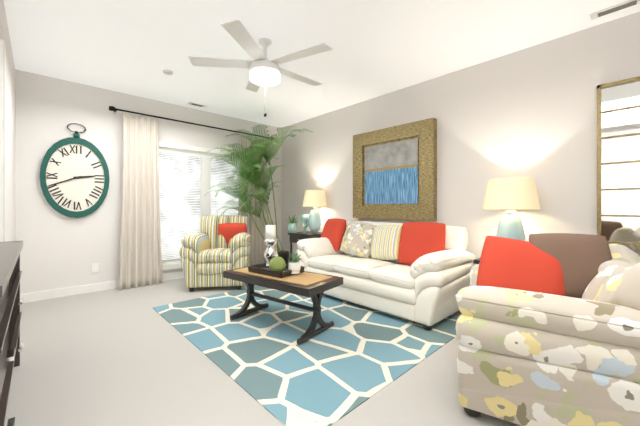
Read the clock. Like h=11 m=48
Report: h=2 m=41
